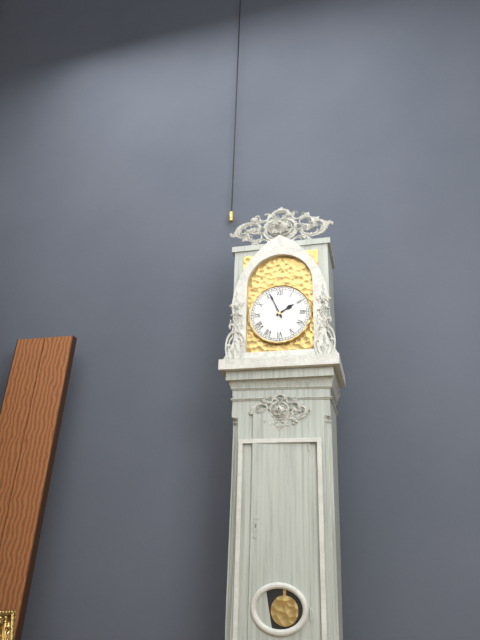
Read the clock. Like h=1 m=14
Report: h=1 m=56
